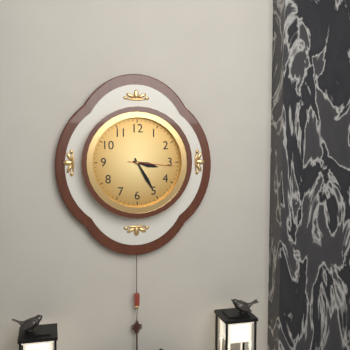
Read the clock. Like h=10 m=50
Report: h=3 m=25
